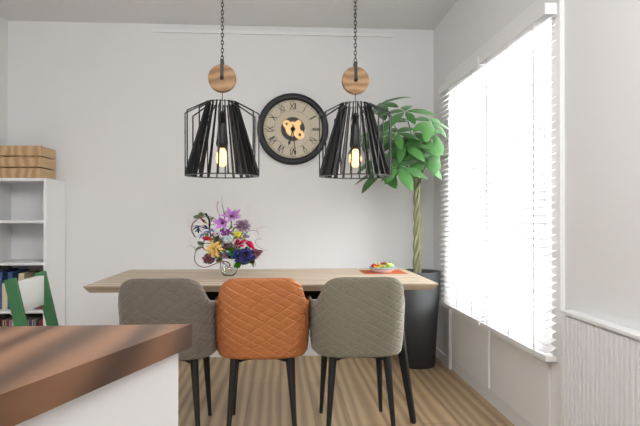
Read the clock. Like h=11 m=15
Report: h=6 m=29
